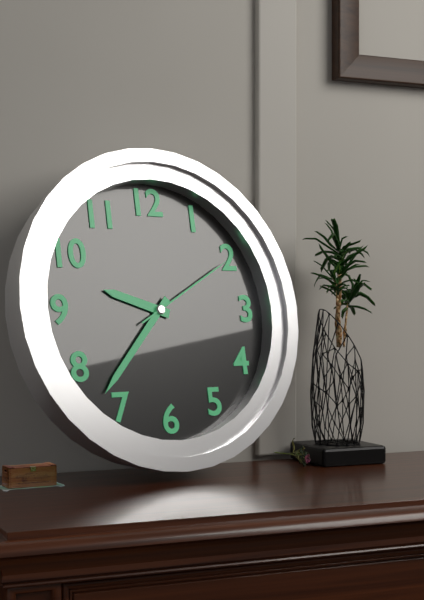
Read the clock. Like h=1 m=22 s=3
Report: h=9 m=37 s=10
